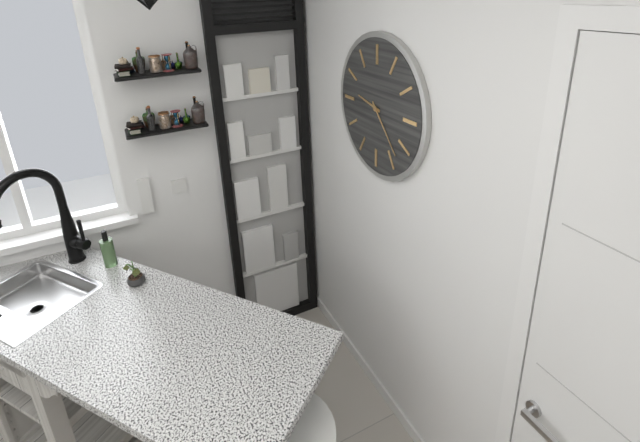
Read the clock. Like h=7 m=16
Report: h=9 m=23
